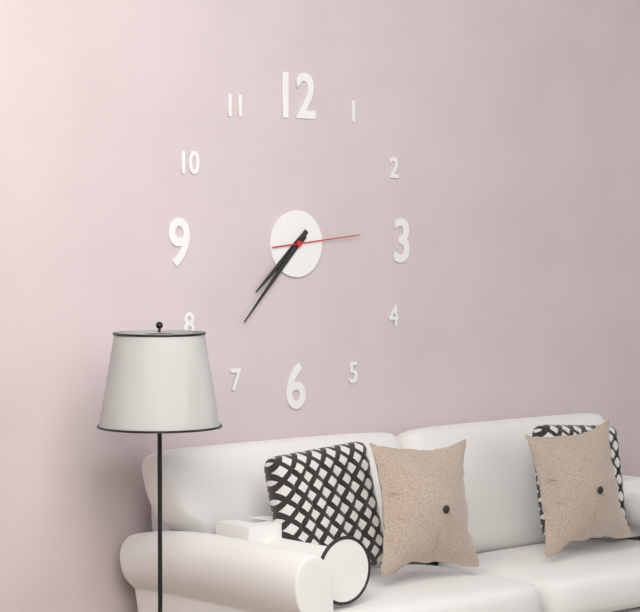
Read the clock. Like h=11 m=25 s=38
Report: h=7 m=37 s=14
